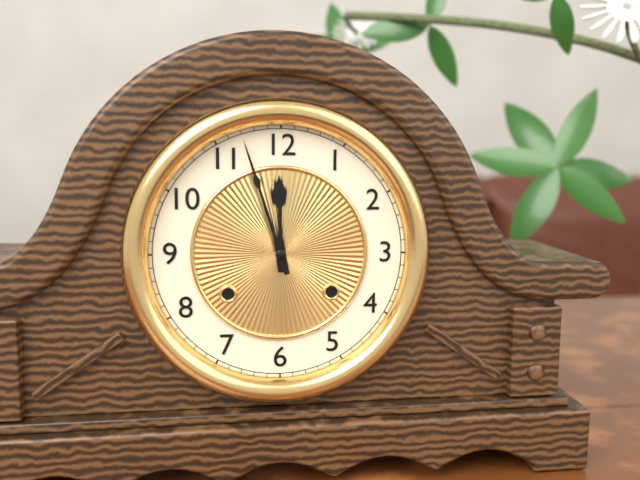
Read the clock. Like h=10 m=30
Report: h=11 m=57
